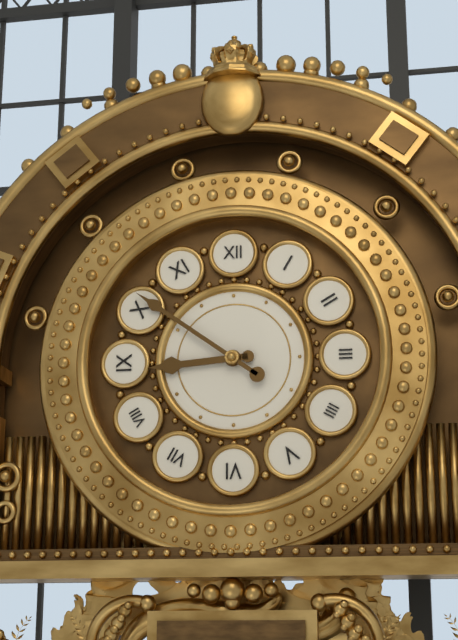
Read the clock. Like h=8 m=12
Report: h=8 m=51
